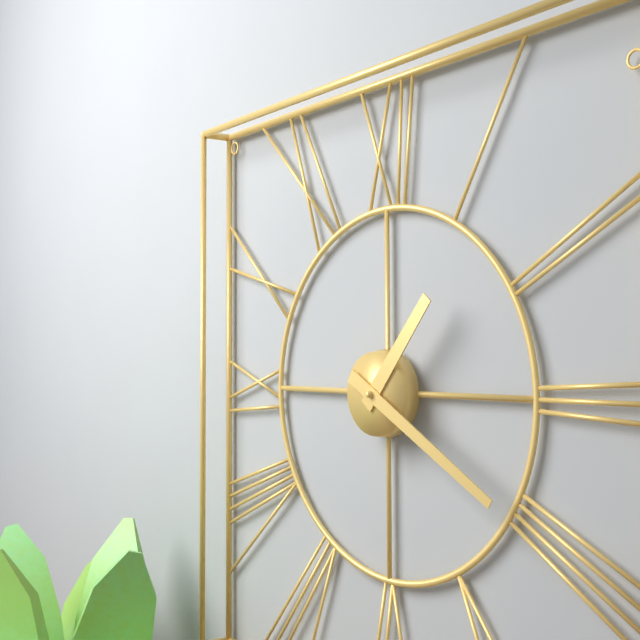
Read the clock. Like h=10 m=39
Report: h=1 m=20
